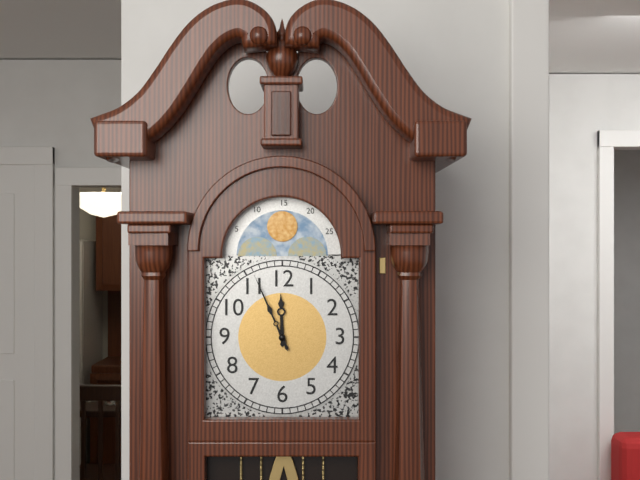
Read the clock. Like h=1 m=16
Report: h=11 m=56
